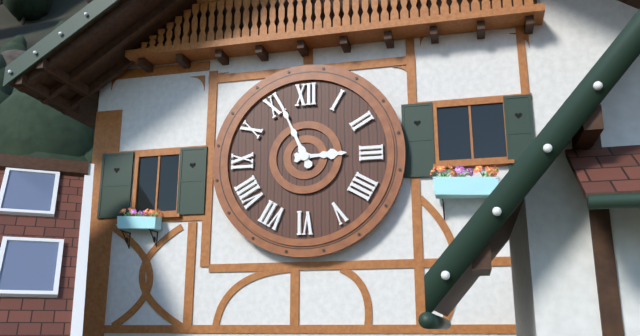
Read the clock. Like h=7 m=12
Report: h=2 m=56
